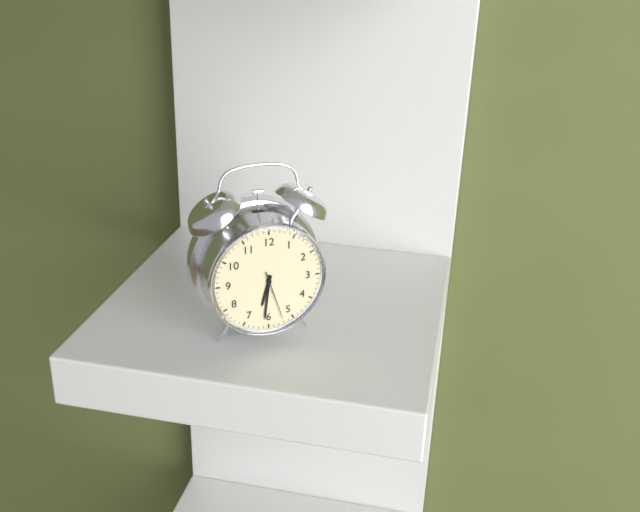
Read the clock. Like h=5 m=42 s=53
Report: h=6 m=31 s=27
